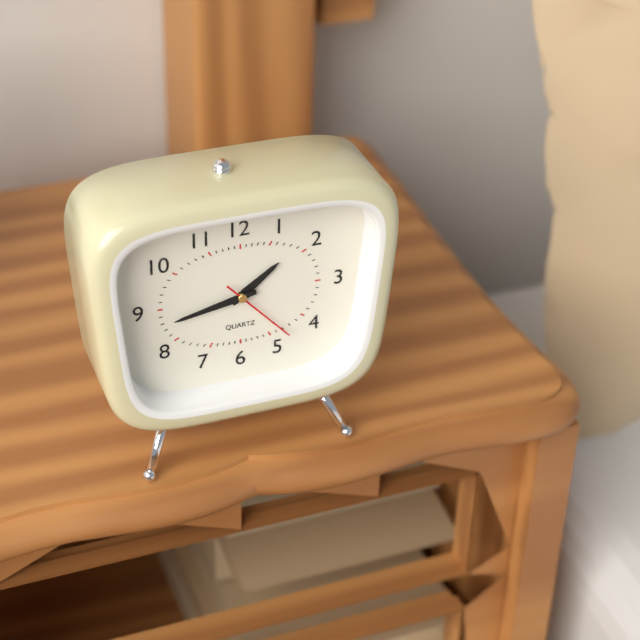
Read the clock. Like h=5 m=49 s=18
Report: h=1 m=43 s=23
